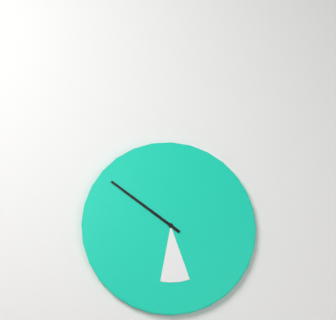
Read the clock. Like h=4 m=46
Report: h=5 m=51
